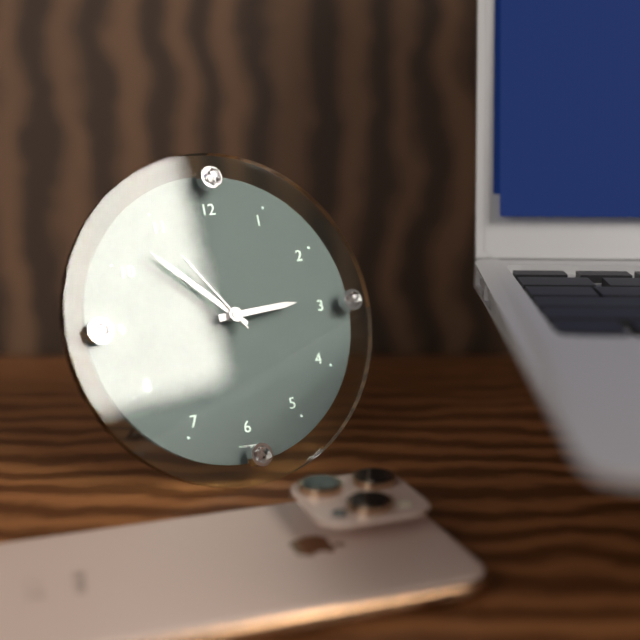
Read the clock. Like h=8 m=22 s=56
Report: h=2 m=52 s=54
